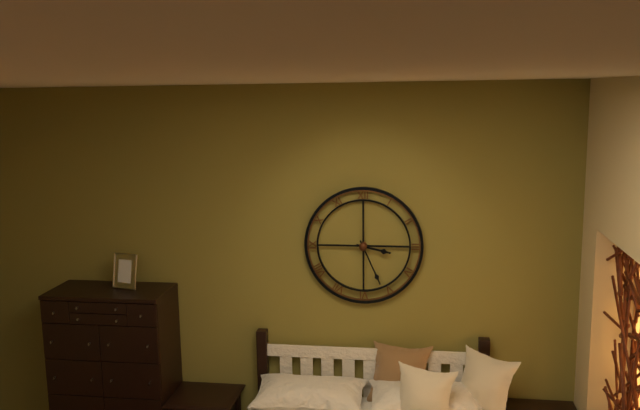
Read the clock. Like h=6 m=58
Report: h=3 m=26
